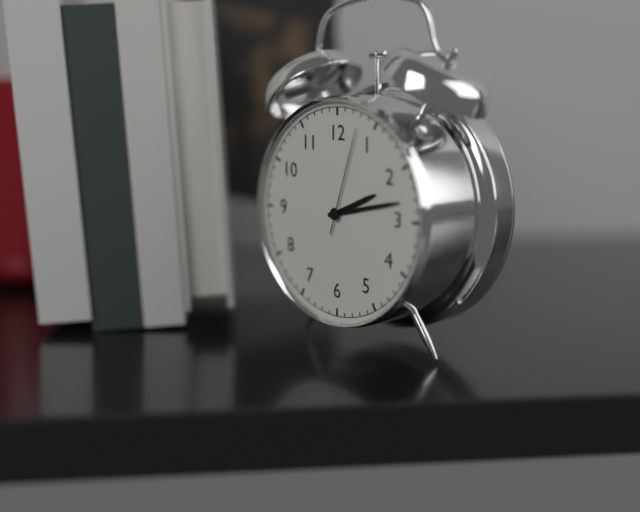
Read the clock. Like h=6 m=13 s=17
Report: h=2 m=13 s=3
